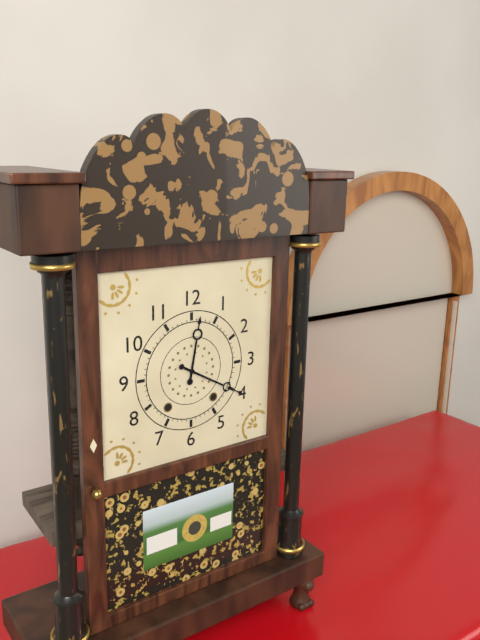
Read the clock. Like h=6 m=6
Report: h=12 m=20
